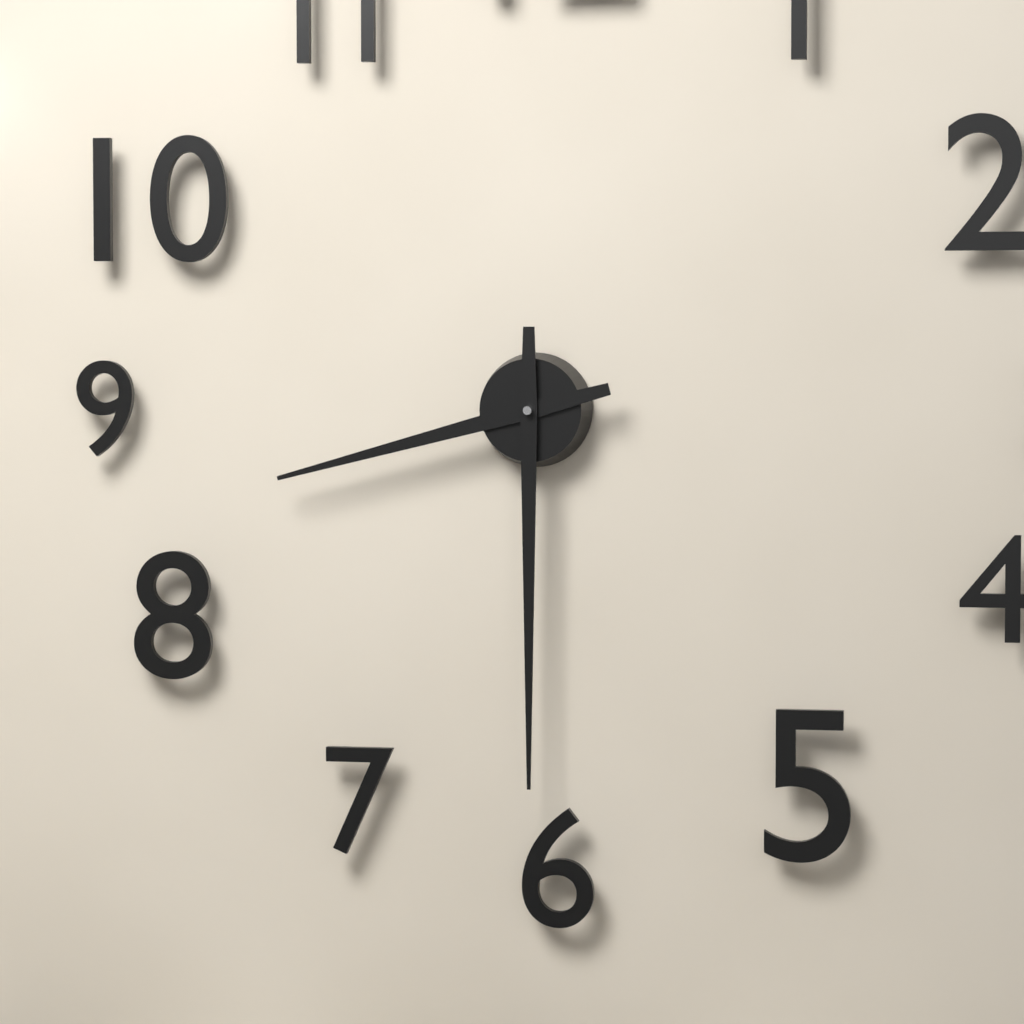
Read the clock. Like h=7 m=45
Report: h=8 m=30
